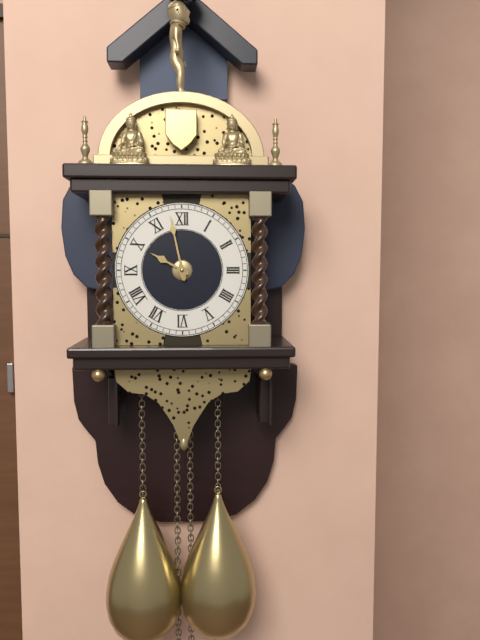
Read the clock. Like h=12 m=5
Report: h=9 m=58
